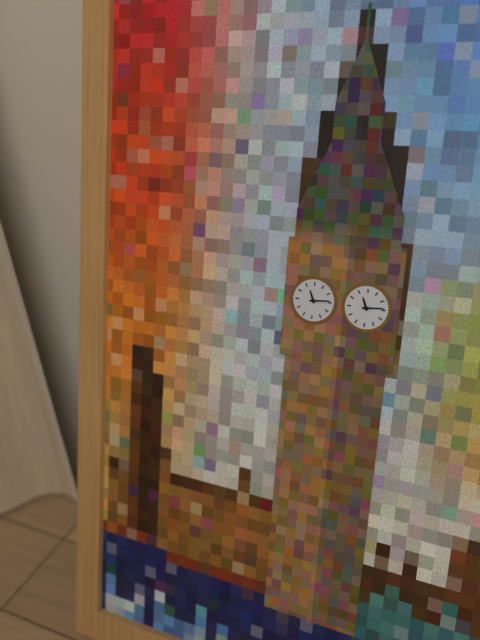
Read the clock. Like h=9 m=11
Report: h=11 m=14
